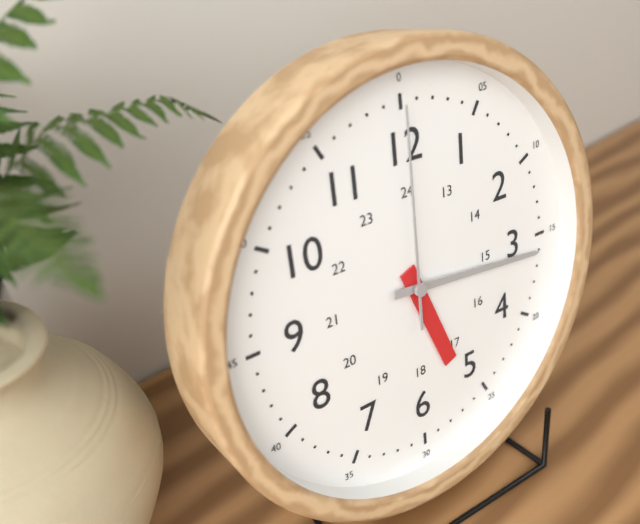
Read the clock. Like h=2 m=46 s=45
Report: h=5 m=16 s=0
